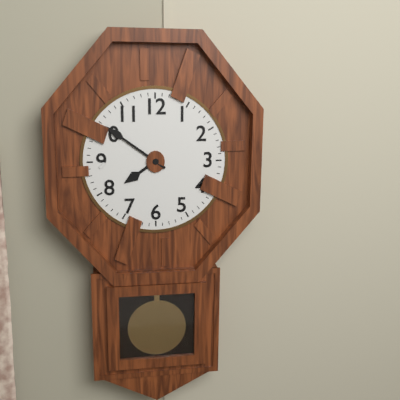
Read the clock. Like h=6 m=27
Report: h=7 m=51
